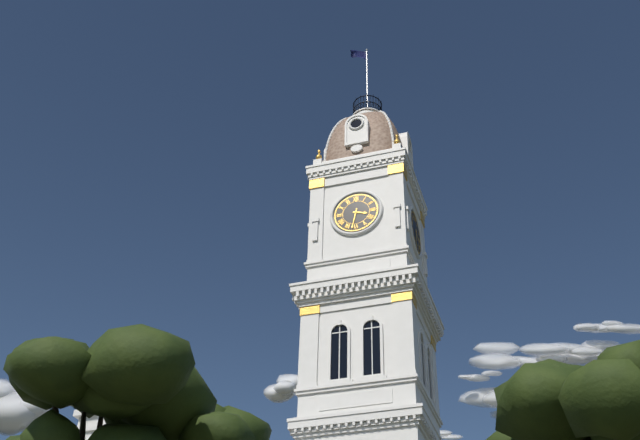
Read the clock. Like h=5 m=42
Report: h=3 m=32
